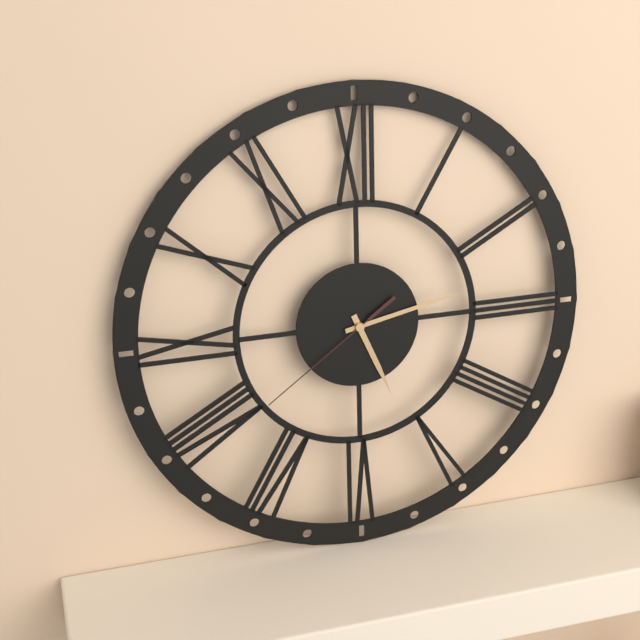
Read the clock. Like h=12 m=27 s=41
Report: h=5 m=13 s=39
